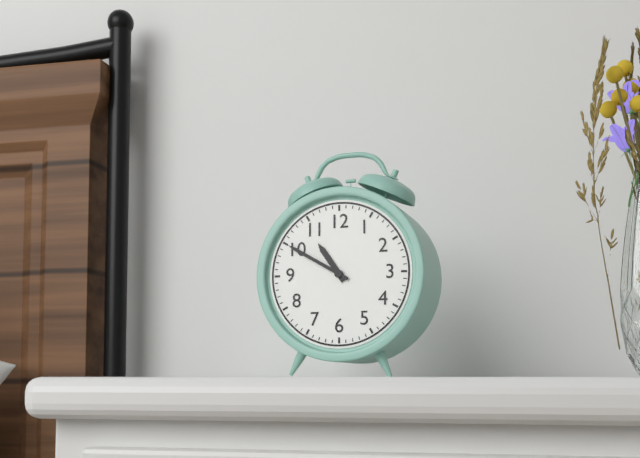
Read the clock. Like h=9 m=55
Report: h=10 m=50
